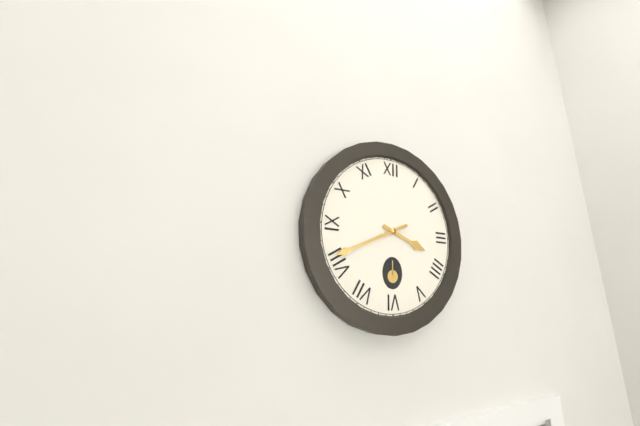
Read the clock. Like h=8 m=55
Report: h=3 m=41
